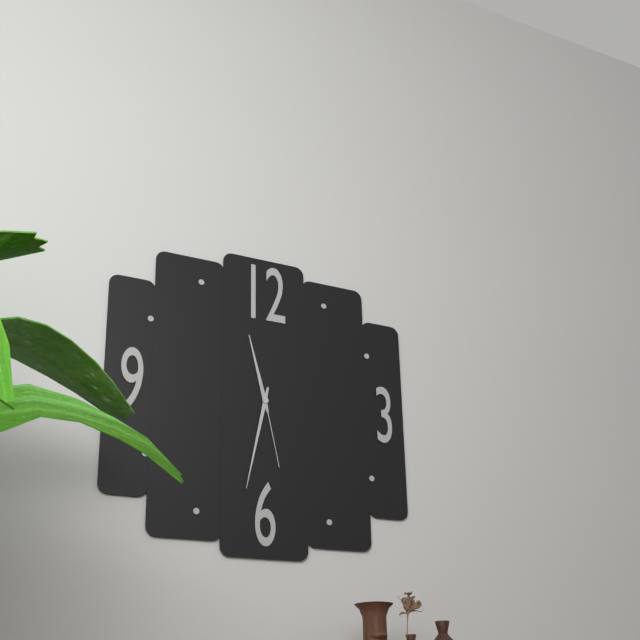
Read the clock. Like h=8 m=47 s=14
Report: h=11 m=32 s=28
